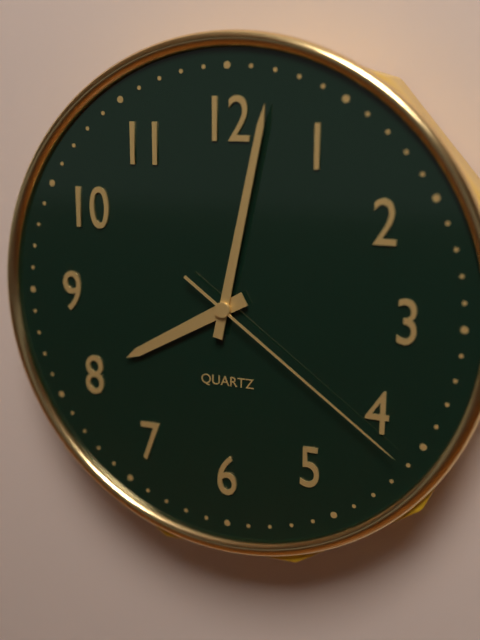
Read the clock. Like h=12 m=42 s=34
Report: h=8 m=2 s=21
